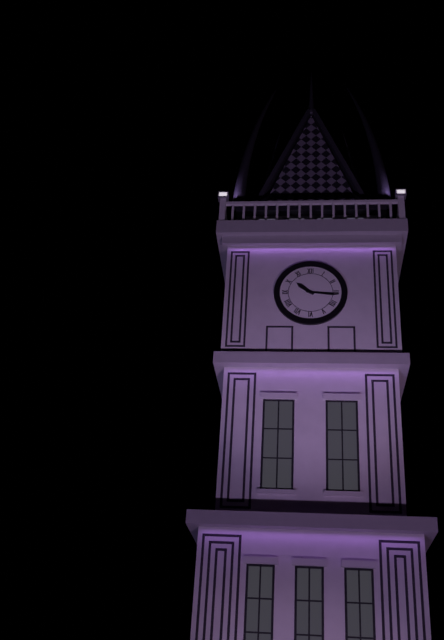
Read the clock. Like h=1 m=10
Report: h=10 m=16
